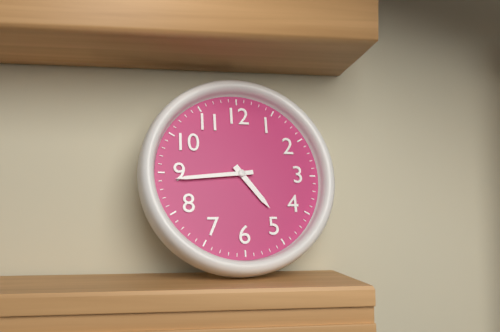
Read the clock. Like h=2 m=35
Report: h=4 m=44
